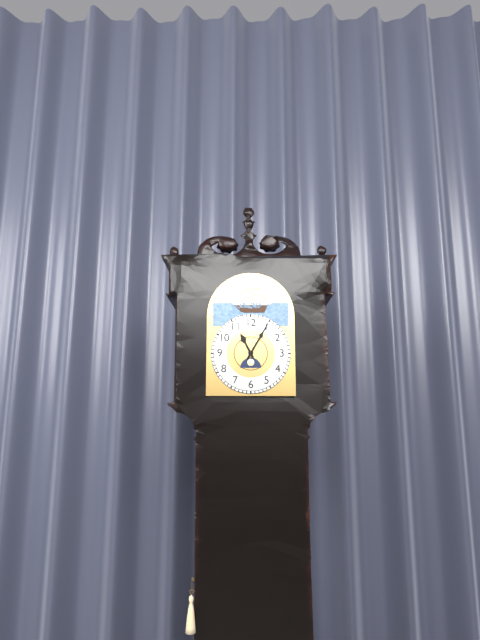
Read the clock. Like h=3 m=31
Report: h=11 m=5
